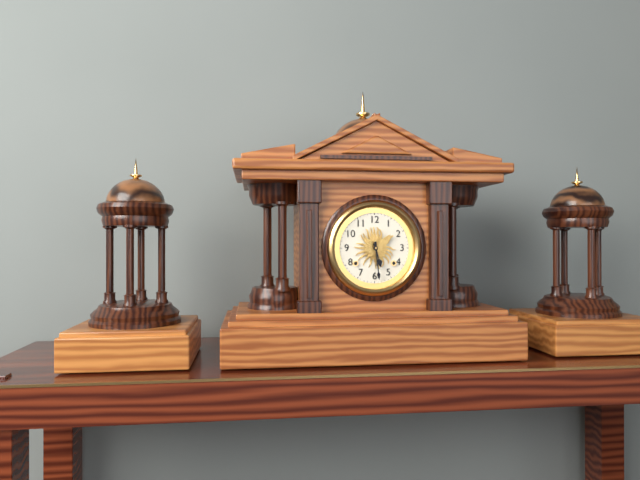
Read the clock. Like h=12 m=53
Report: h=5 m=29
